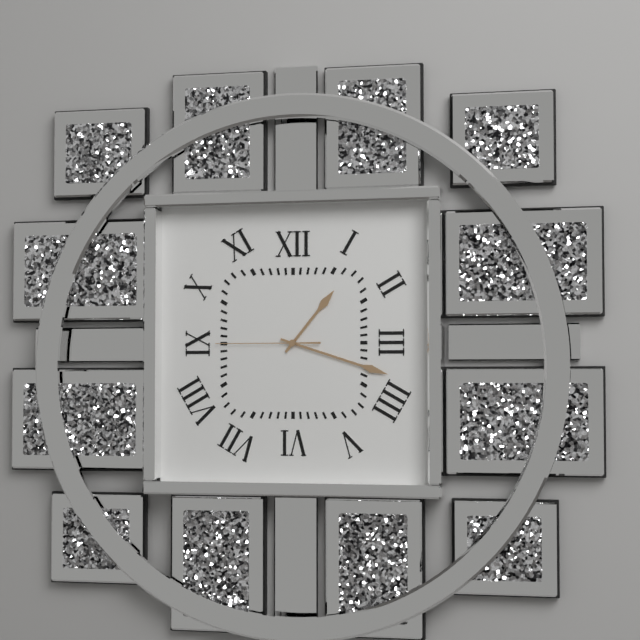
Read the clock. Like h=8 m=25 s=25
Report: h=1 m=18 s=45
